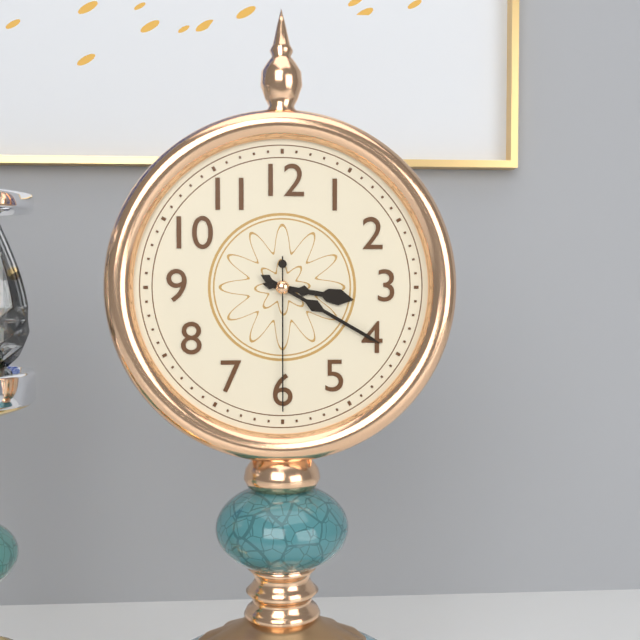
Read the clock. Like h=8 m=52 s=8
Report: h=3 m=20 s=30
